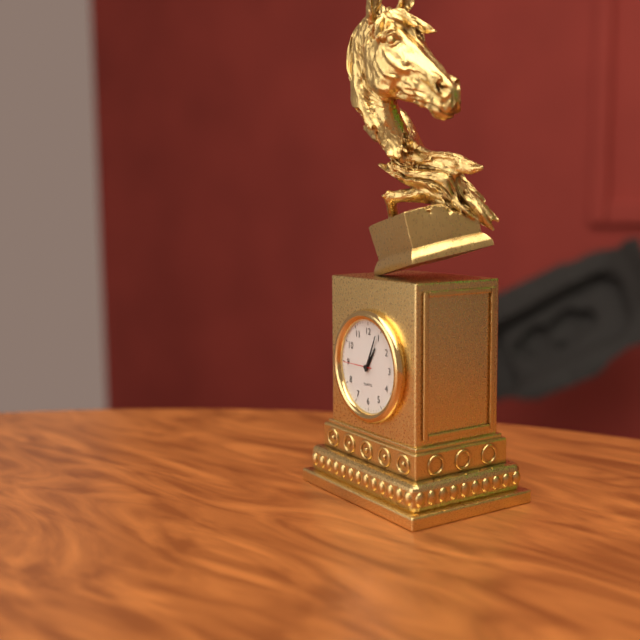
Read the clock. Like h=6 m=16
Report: h=1 m=4
